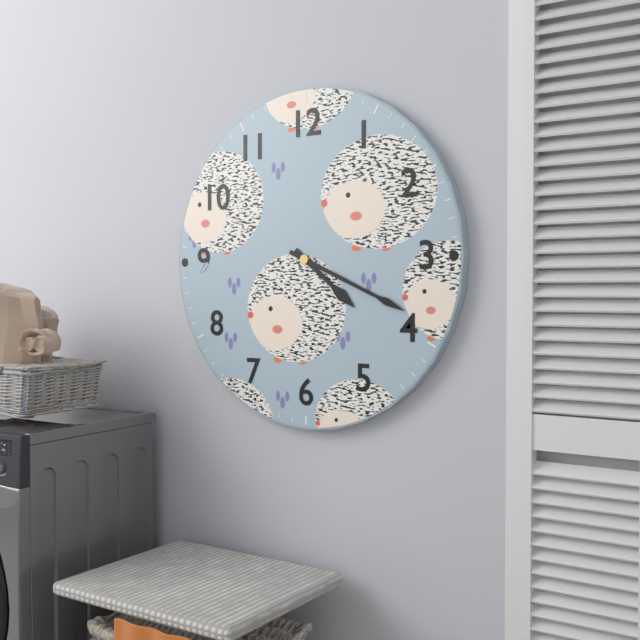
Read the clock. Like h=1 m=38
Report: h=4 m=19
